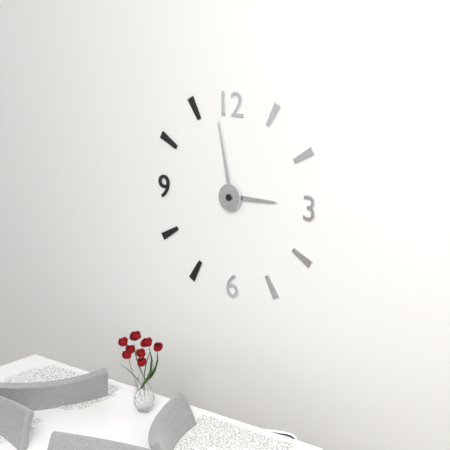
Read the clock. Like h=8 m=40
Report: h=2 m=58
